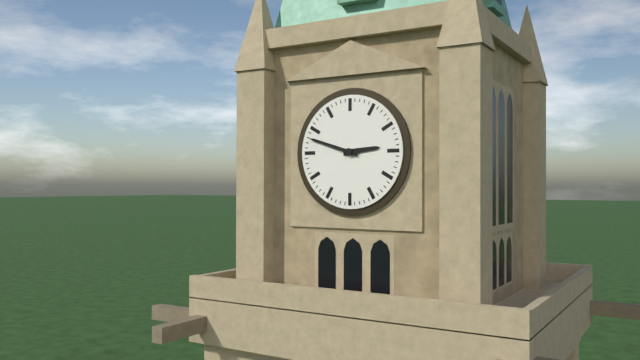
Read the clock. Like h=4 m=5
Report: h=2 m=48
